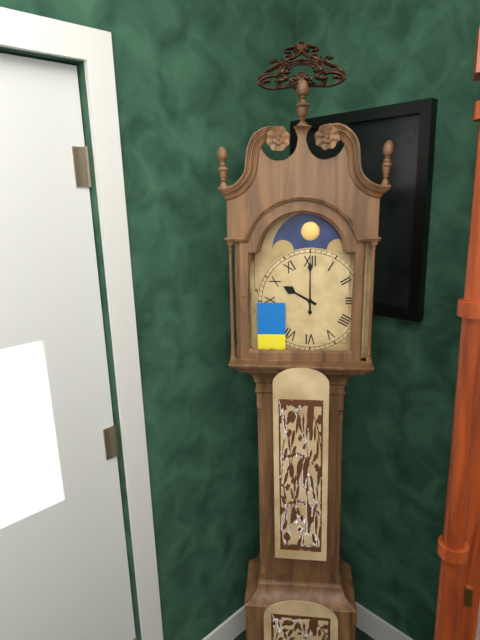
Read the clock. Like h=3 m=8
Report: h=10 m=0
